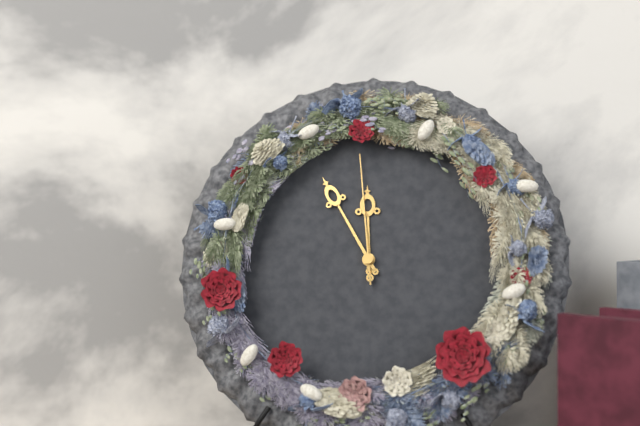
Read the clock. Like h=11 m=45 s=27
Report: h=11 m=55 s=59
